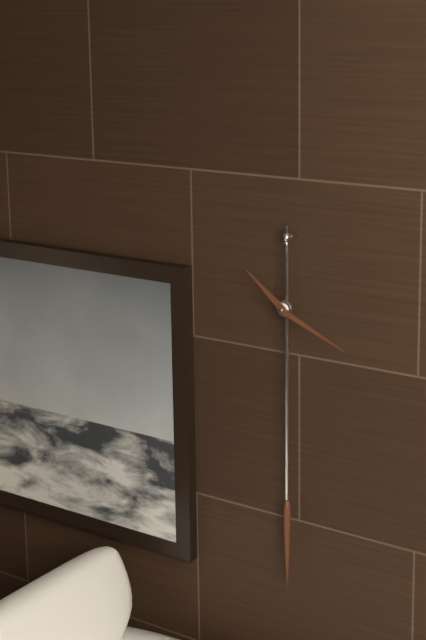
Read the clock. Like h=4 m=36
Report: h=10 m=19
